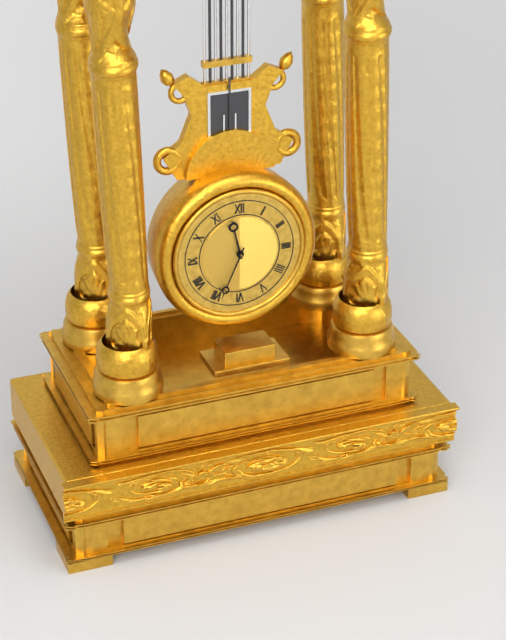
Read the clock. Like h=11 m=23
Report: h=11 m=34
